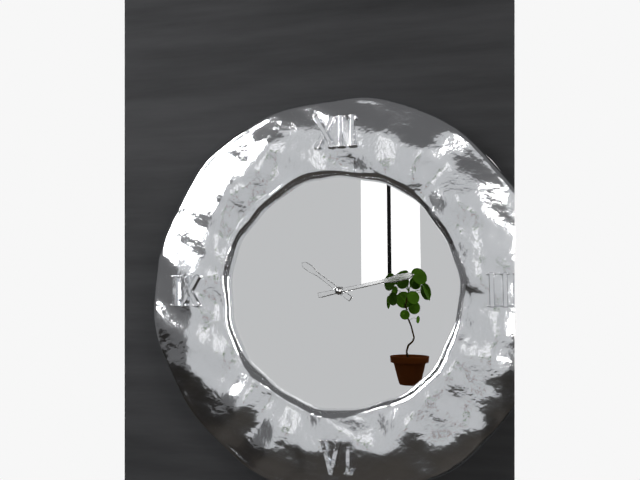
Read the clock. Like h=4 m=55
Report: h=10 m=13
